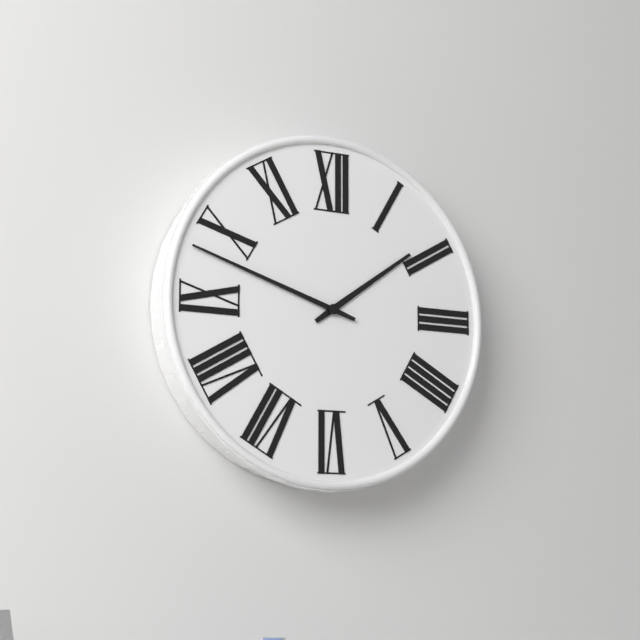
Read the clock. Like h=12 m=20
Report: h=1 m=48
